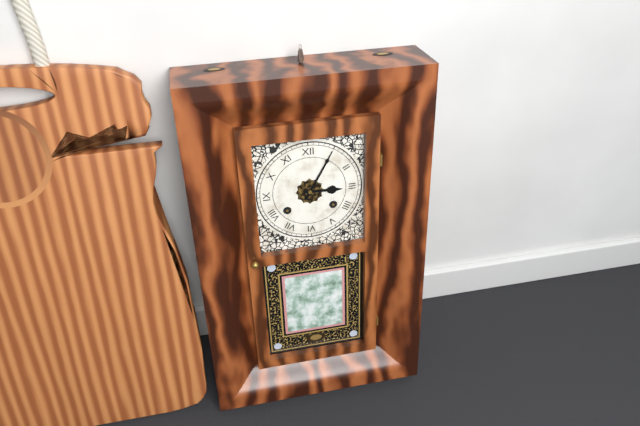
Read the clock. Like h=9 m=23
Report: h=3 m=5
